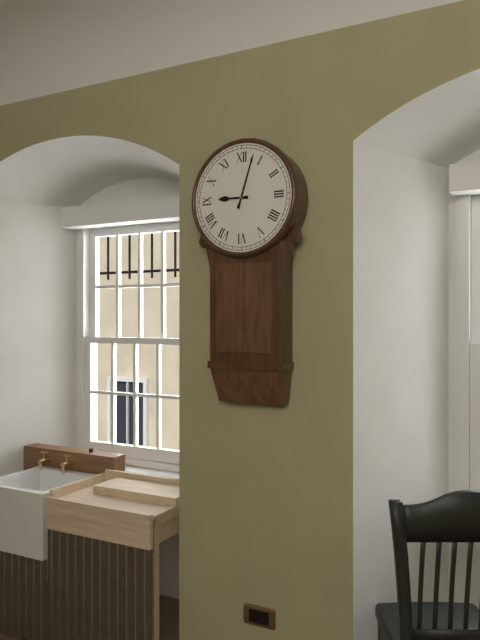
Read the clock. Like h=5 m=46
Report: h=9 m=3
